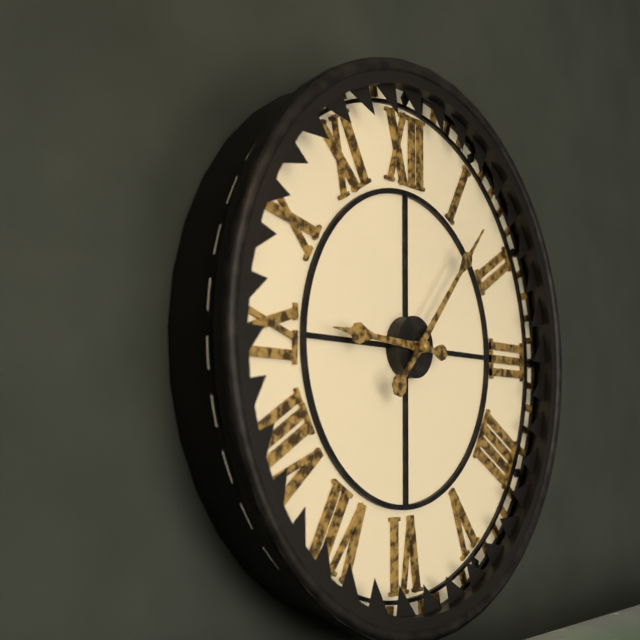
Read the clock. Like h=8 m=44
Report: h=9 m=7
